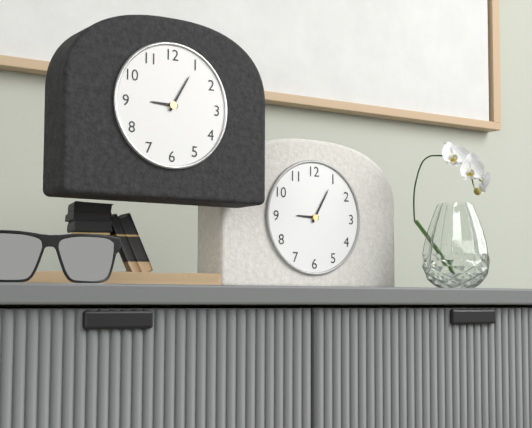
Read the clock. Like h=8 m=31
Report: h=9 m=5
